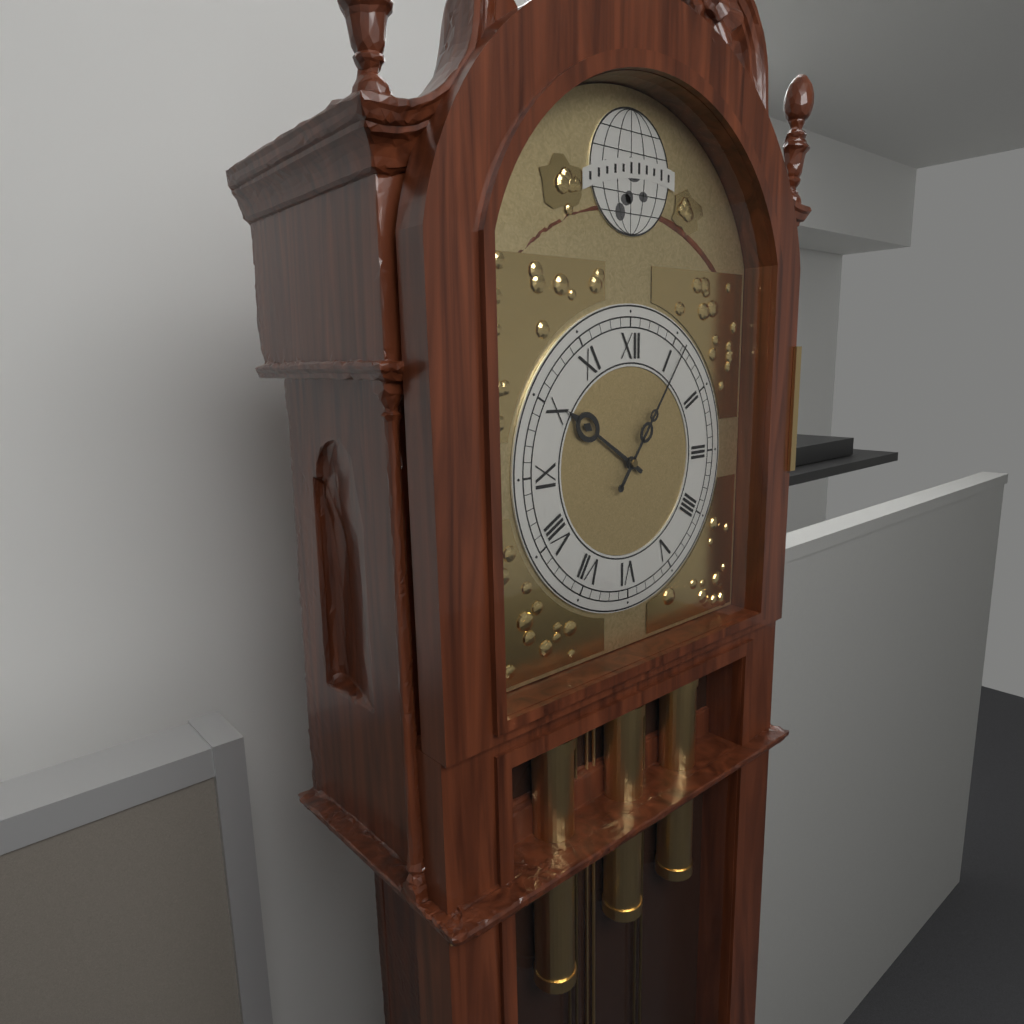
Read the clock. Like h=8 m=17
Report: h=10 m=6
